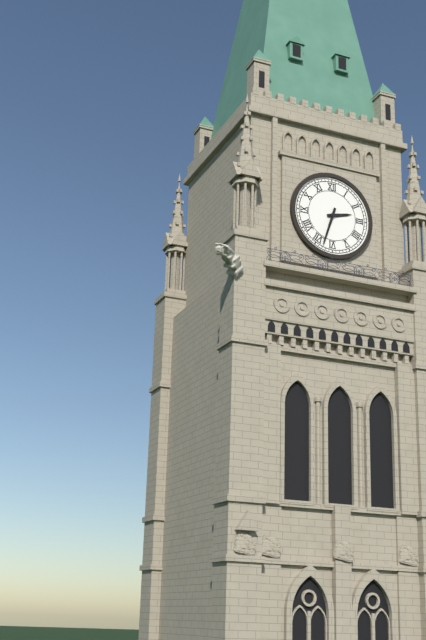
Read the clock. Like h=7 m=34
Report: h=2 m=33
